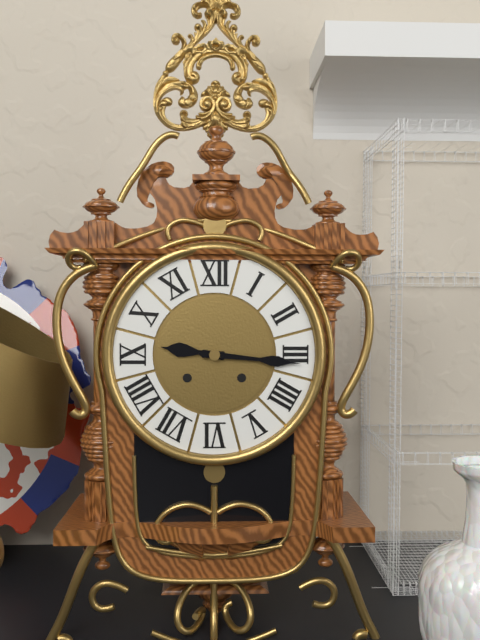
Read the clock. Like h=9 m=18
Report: h=9 m=16
